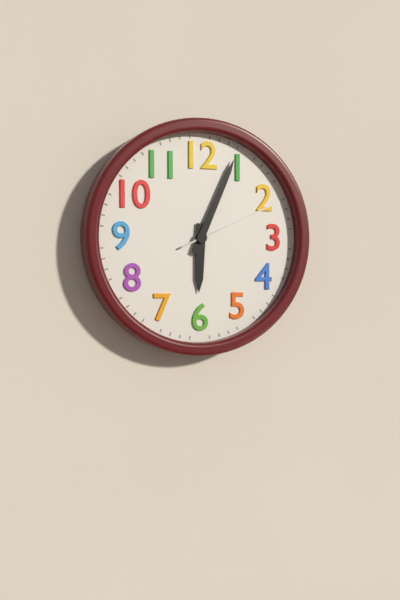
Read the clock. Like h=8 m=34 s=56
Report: h=6 m=4 s=11
